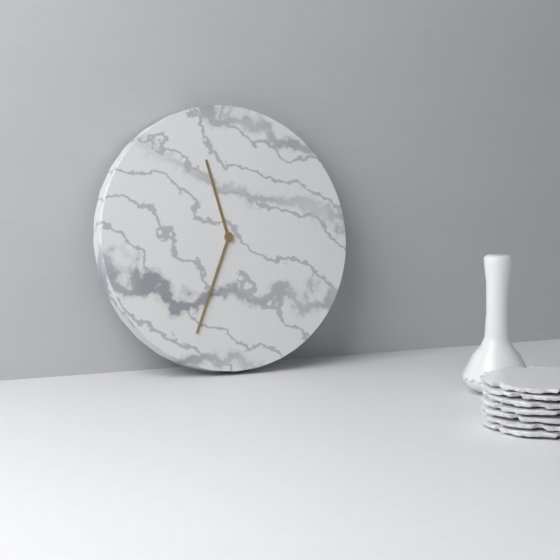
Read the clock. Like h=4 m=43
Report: h=11 m=34
